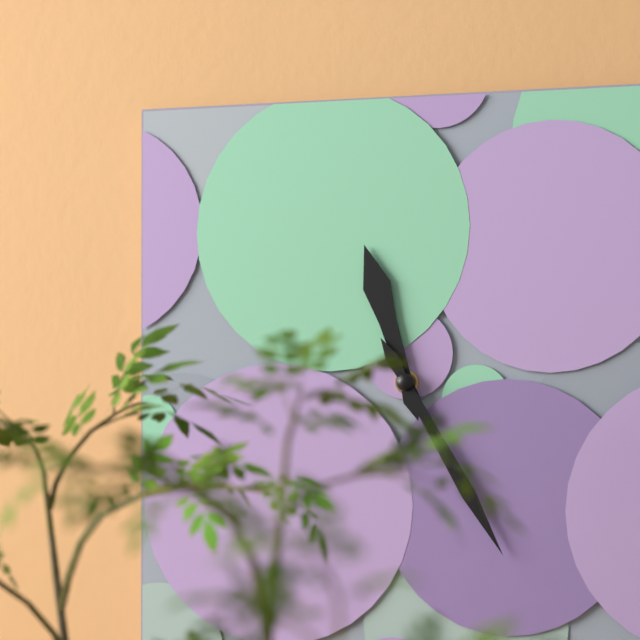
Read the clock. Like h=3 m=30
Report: h=11 m=25
